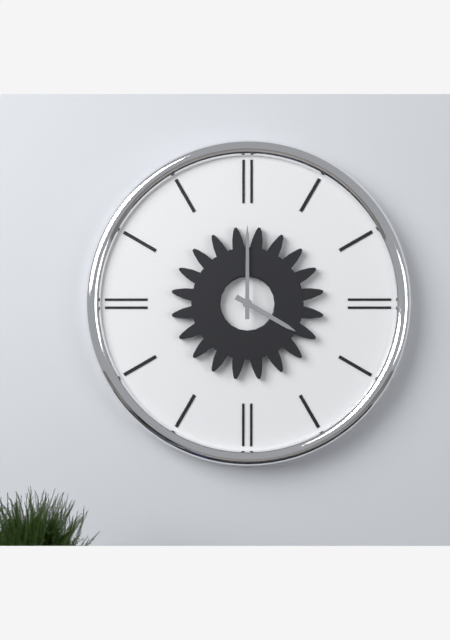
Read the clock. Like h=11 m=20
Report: h=4 m=0
